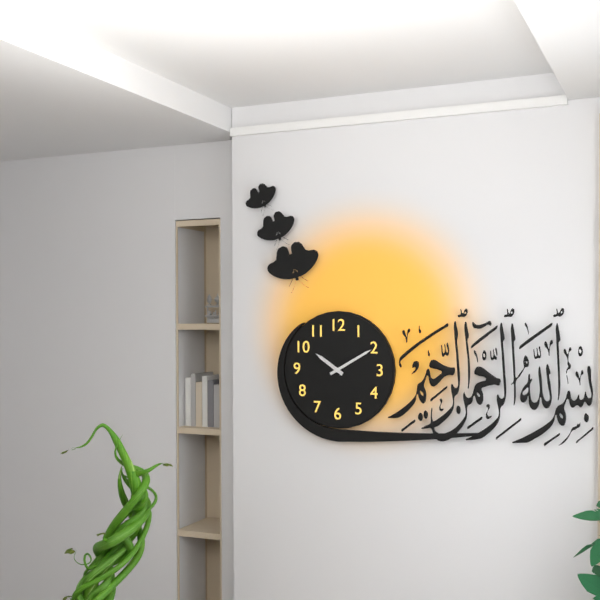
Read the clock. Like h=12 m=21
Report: h=10 m=10
